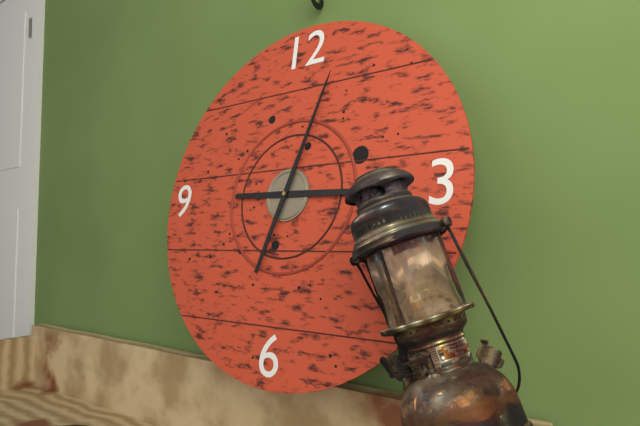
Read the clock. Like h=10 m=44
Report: h=3 m=3
